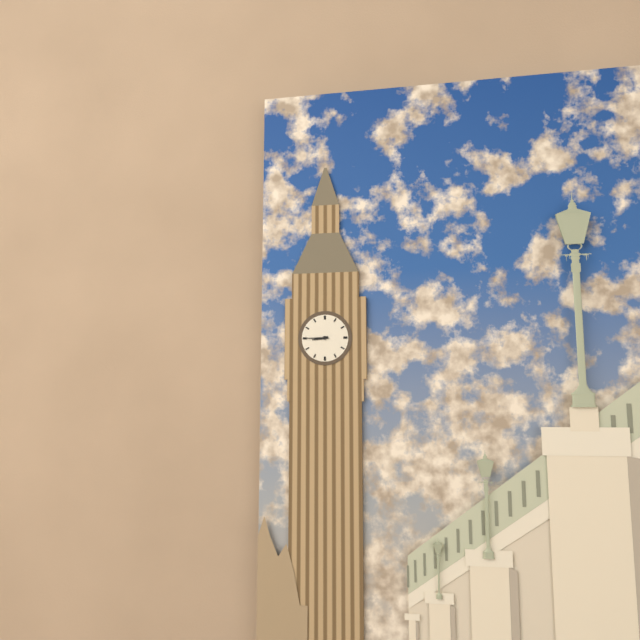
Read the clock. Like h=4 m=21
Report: h=8 m=45
